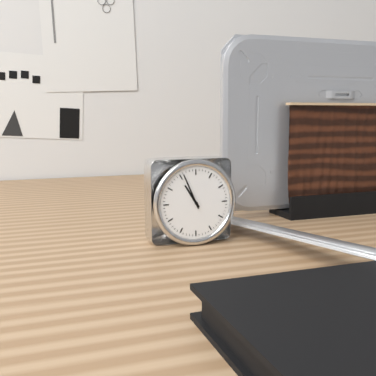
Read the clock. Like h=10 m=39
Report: h=10 m=56
